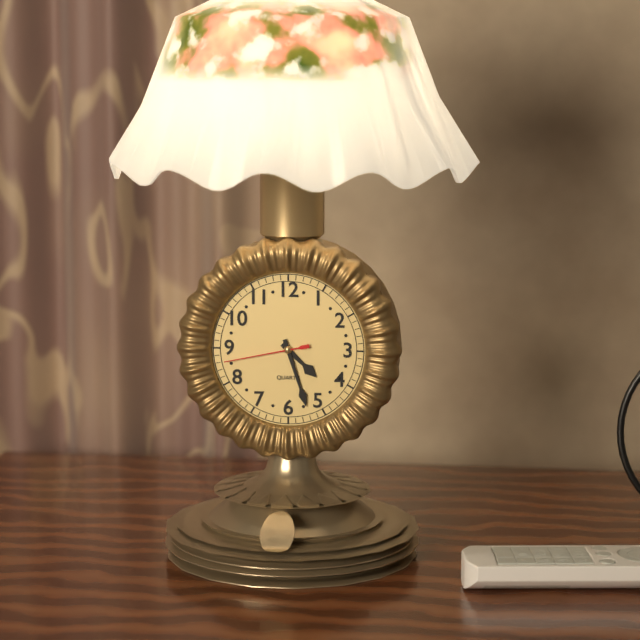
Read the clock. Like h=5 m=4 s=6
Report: h=4 m=27 s=43
